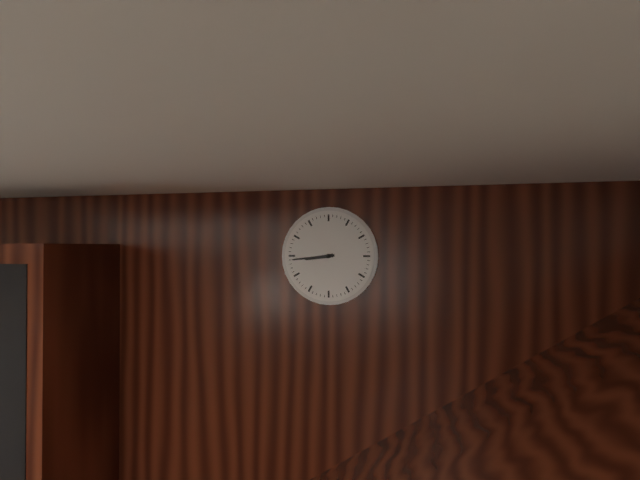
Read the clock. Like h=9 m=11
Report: h=8 m=44
